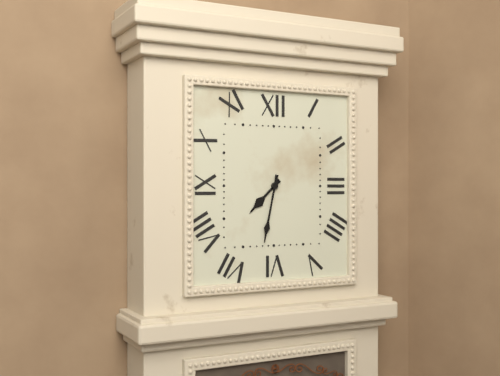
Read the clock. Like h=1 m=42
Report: h=7 m=32
